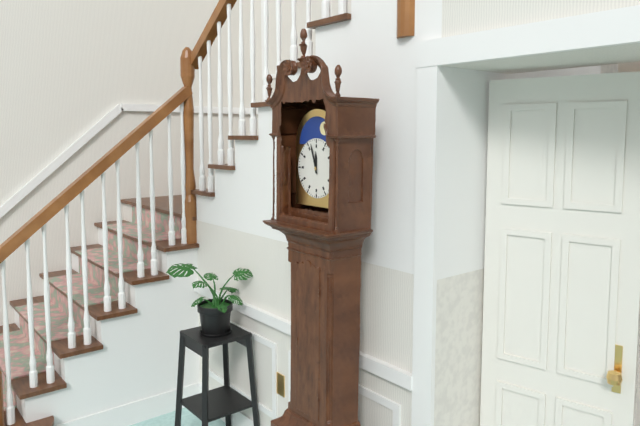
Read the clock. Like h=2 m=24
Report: h=11 m=57
